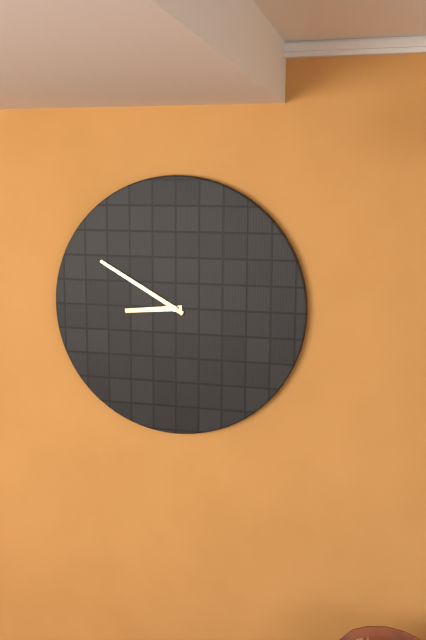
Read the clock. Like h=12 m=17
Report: h=8 m=50
